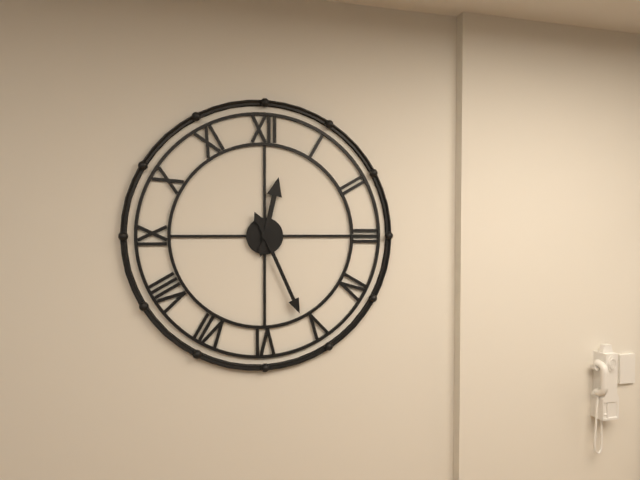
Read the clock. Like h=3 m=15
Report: h=12 m=26
